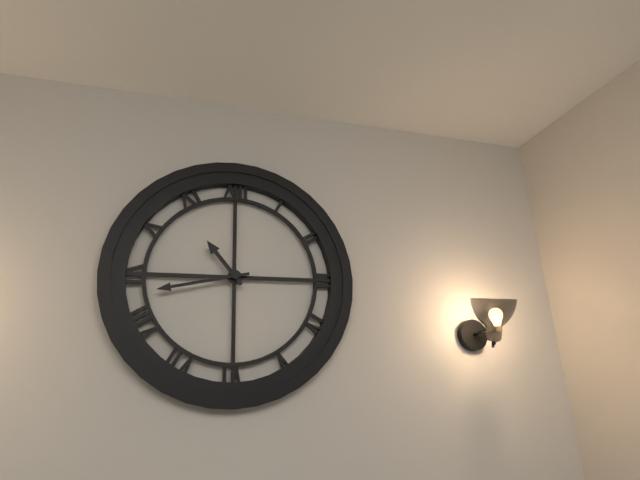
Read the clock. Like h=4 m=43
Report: h=10 m=43
